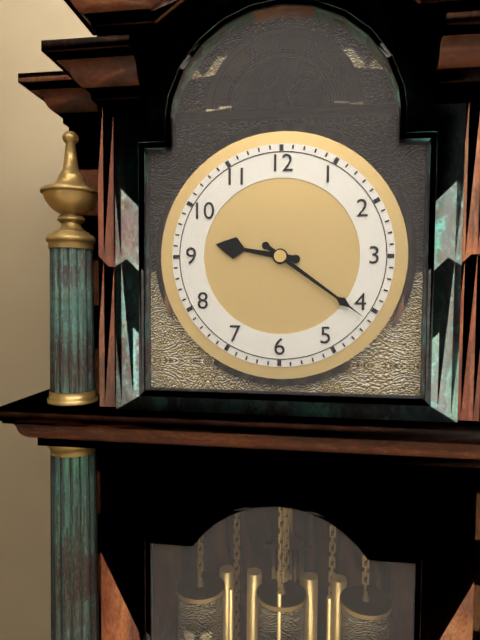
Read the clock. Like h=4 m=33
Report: h=9 m=21
